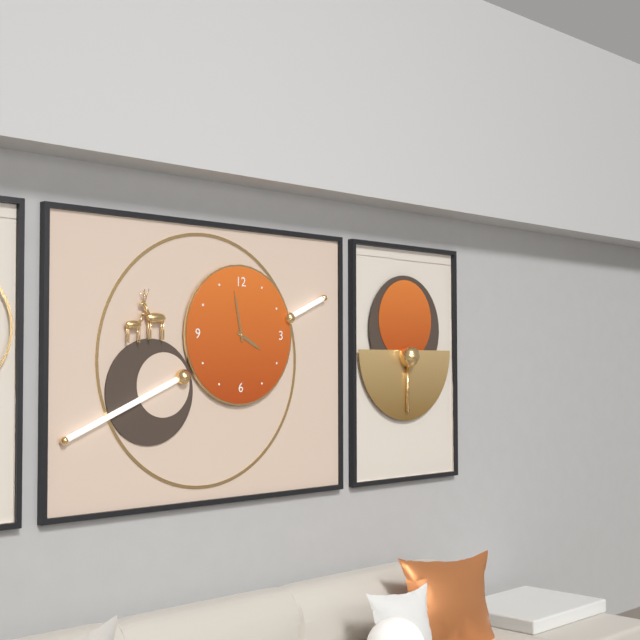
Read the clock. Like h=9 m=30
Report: h=3 m=58
